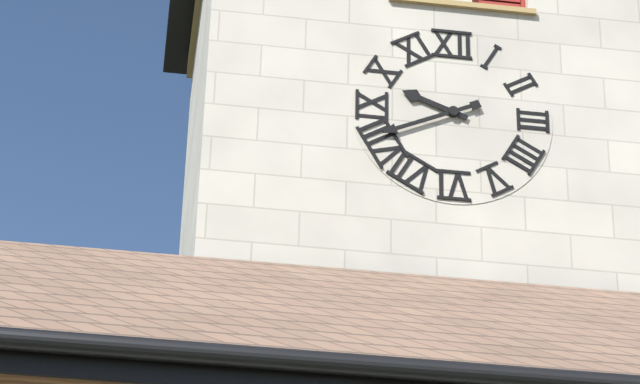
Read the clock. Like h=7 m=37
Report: h=9 m=41
